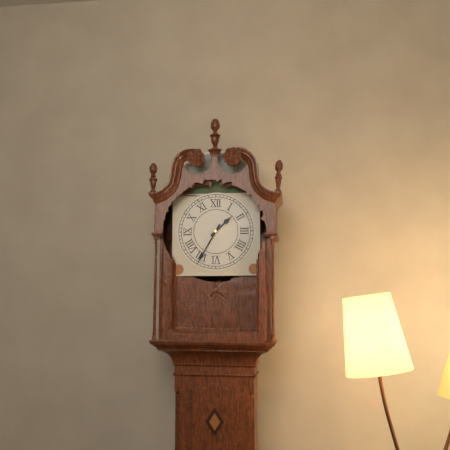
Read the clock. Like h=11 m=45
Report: h=1 m=35
